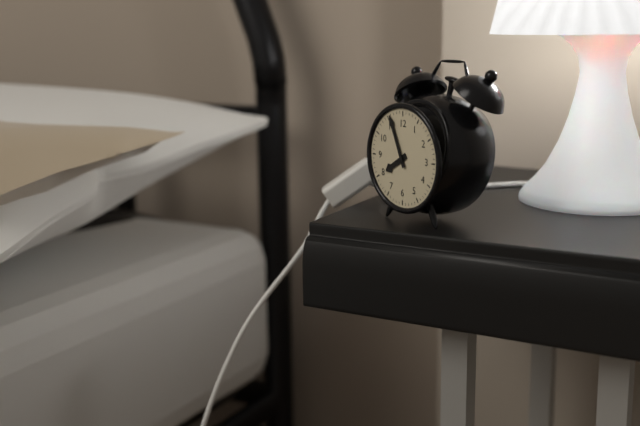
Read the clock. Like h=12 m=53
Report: h=7 m=56
